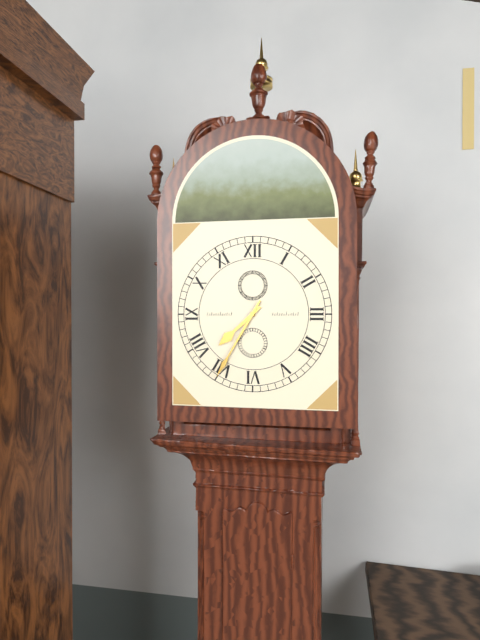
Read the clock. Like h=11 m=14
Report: h=7 m=35
